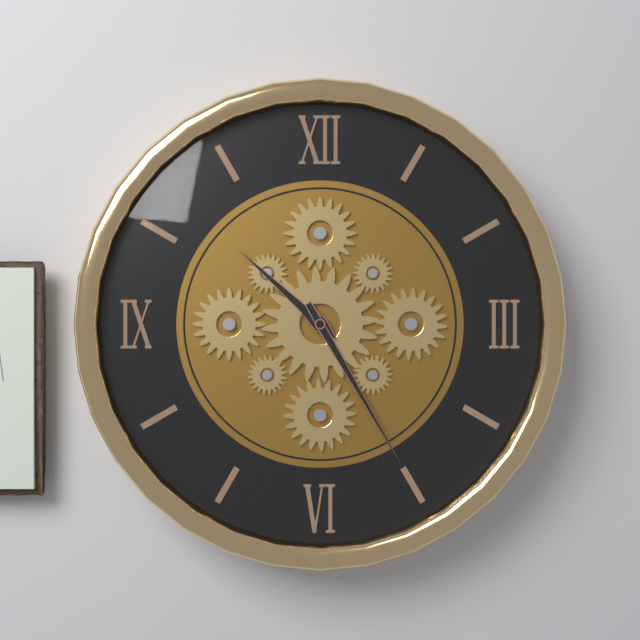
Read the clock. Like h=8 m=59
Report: h=10 m=25
